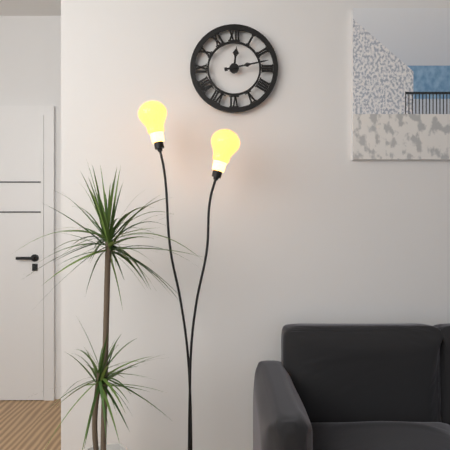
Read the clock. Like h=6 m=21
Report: h=12 m=13
